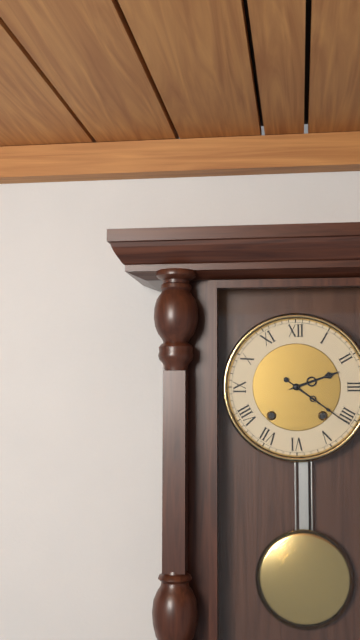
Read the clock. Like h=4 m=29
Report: h=2 m=21
